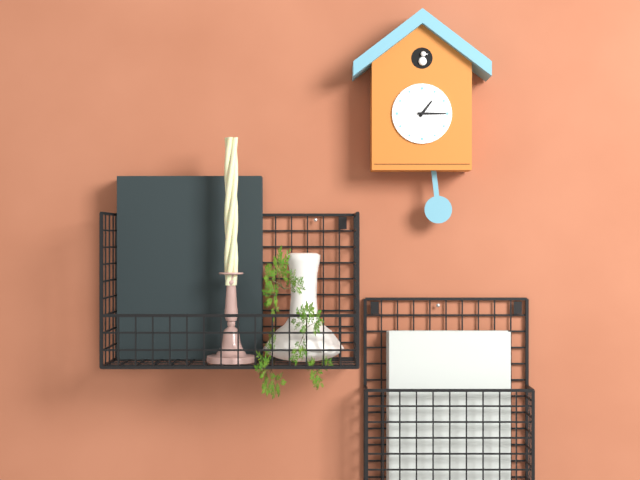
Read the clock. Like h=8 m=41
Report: h=1 m=15
